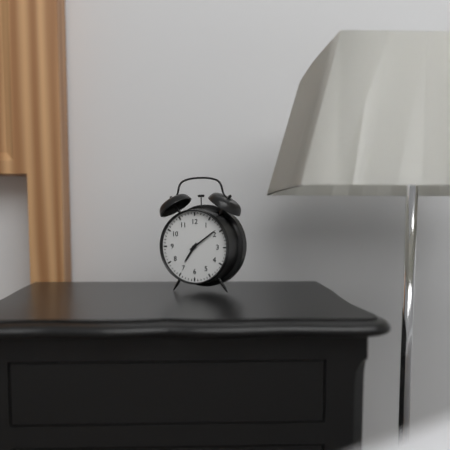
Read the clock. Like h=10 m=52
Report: h=7 m=9
